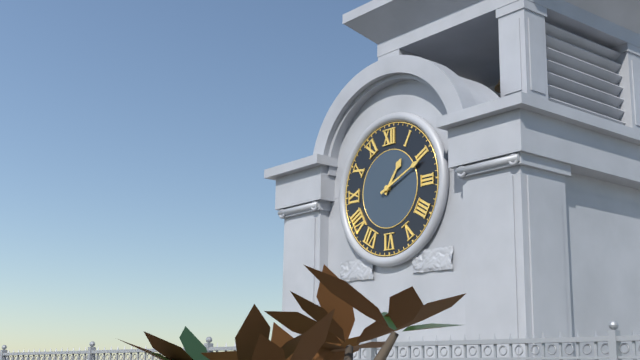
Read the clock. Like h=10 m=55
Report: h=1 m=11
